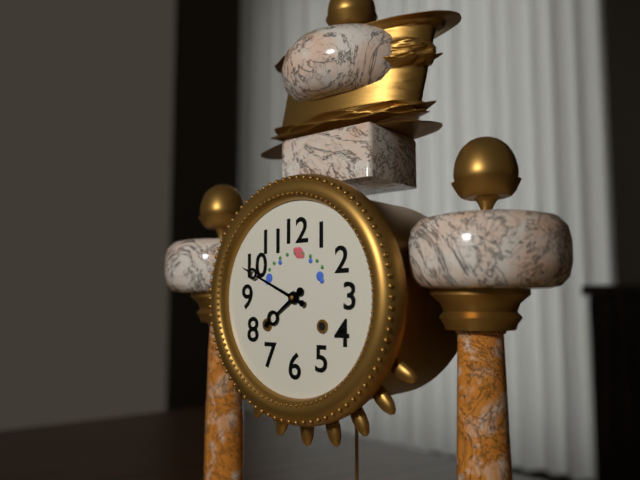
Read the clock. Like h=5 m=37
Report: h=7 m=49
